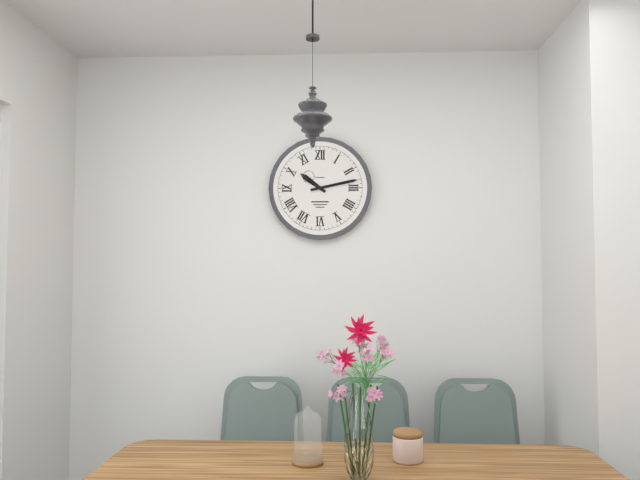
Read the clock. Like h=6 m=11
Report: h=10 m=13
